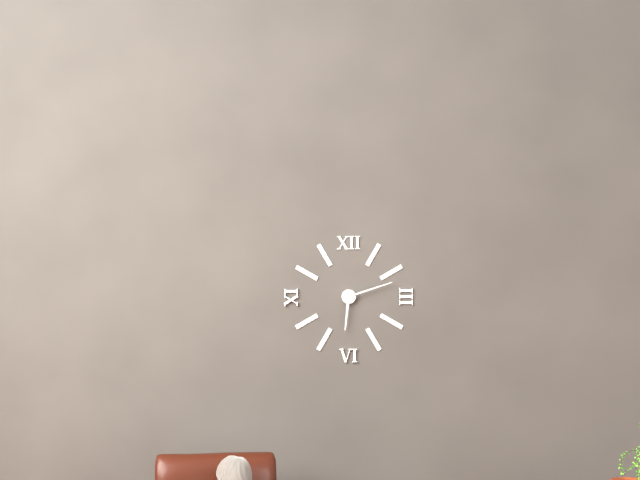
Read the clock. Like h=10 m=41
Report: h=6 m=12
